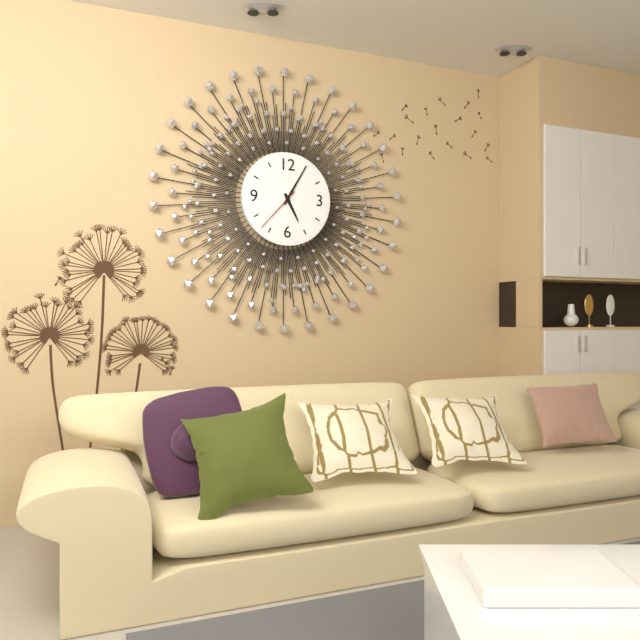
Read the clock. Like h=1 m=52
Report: h=5 m=5
